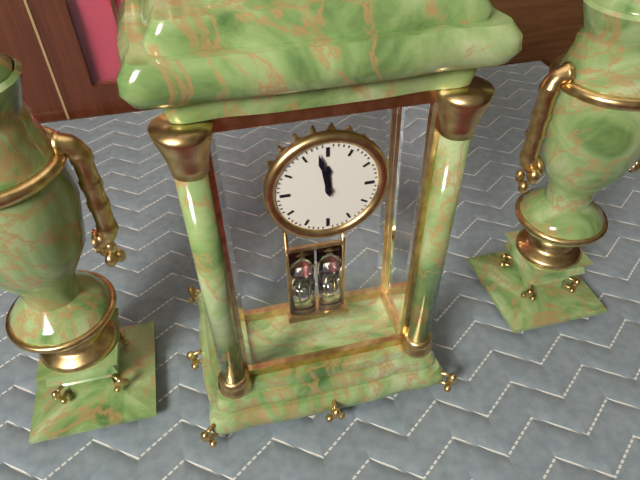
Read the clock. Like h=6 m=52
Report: h=11 m=58
